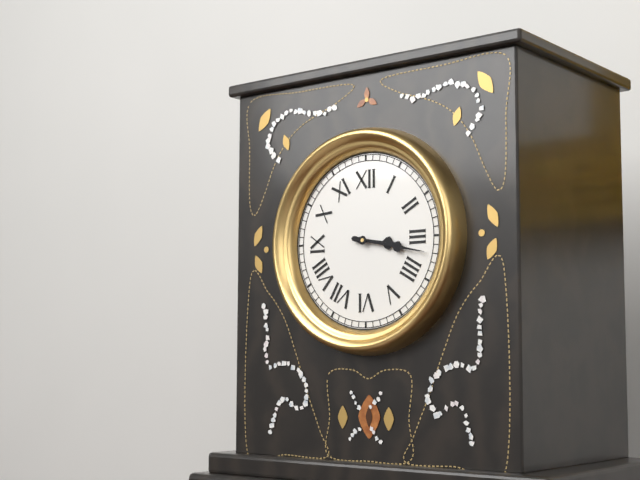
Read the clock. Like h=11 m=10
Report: h=3 m=17
